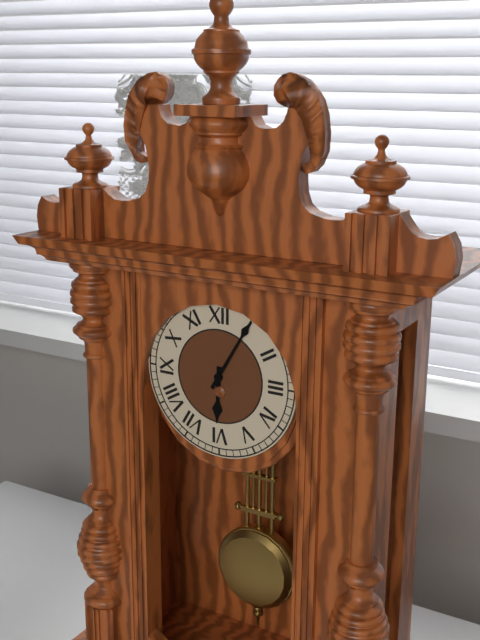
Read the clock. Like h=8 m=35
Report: h=6 m=5
